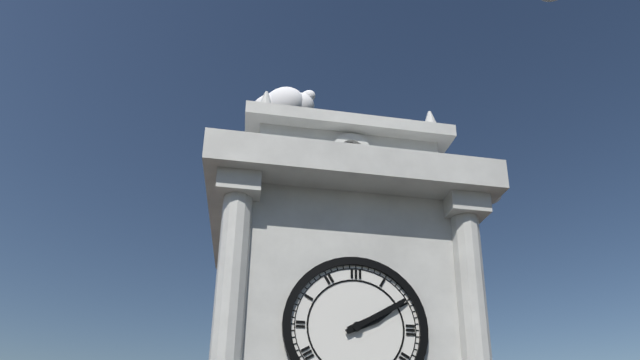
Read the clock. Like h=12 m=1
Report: h=2 m=10
